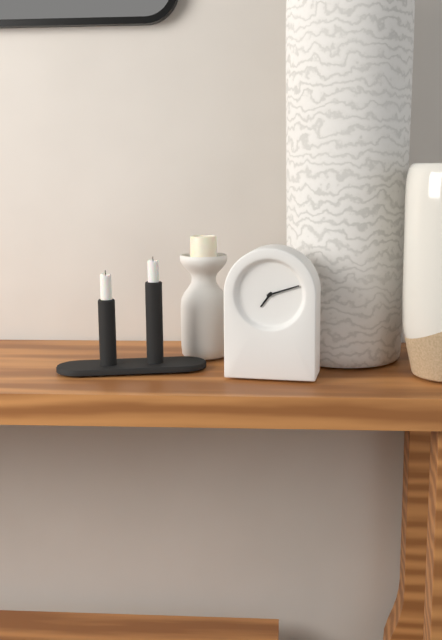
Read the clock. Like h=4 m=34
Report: h=7 m=12
